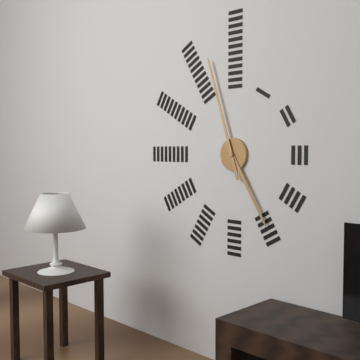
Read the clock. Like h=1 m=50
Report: h=4 m=57
